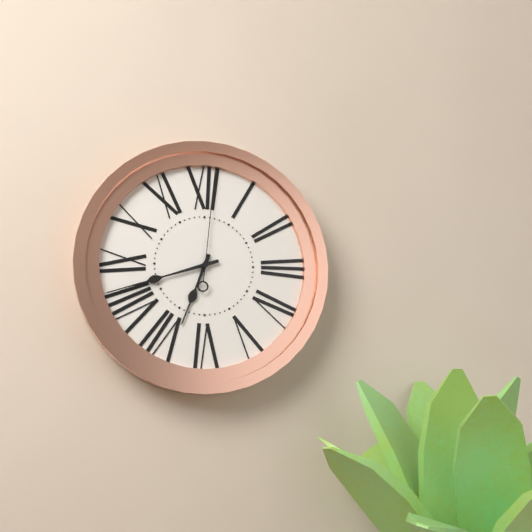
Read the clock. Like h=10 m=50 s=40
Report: h=6 m=42 s=1
